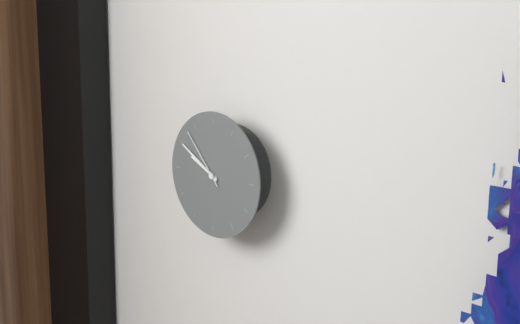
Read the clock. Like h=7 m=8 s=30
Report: h=9 m=50 s=53
